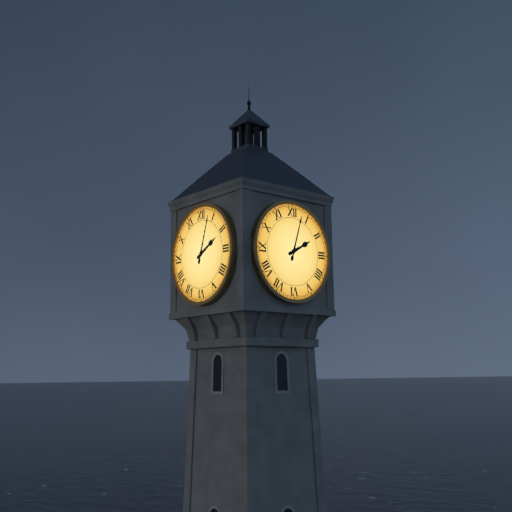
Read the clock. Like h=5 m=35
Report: h=2 m=3
